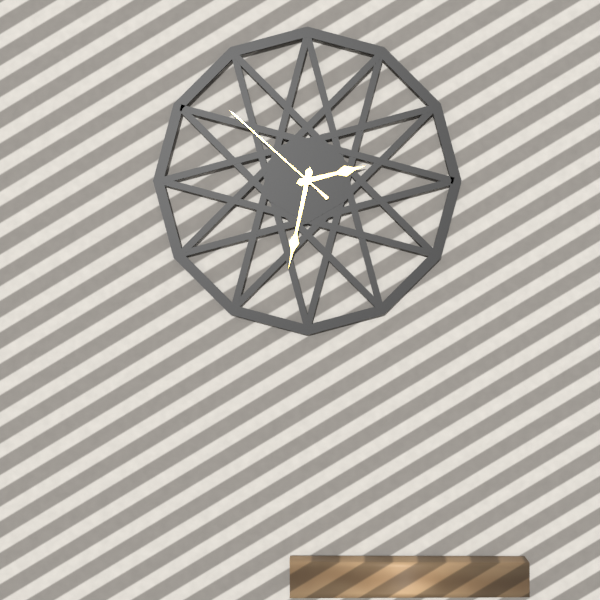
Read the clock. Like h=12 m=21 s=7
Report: h=2 m=32 s=52
